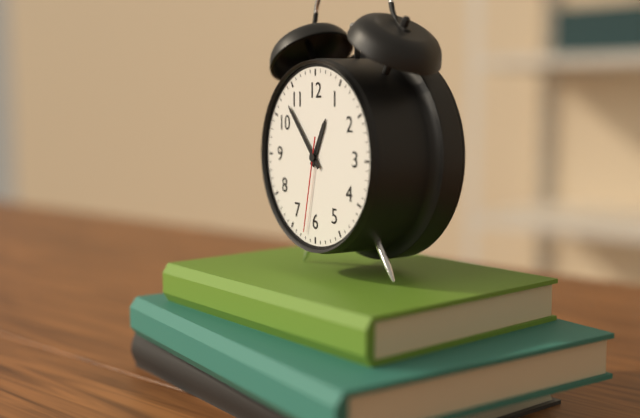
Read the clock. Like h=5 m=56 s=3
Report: h=12 m=53 s=32
